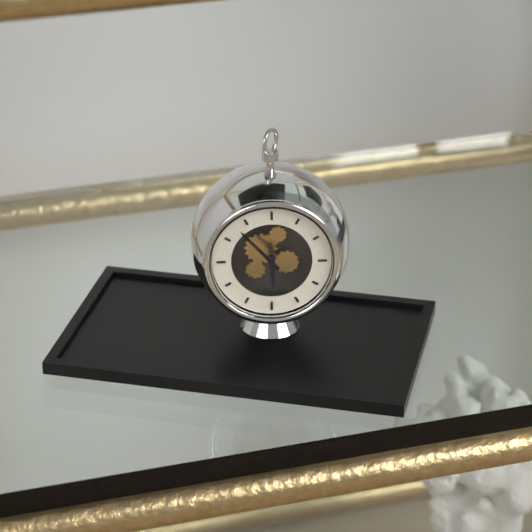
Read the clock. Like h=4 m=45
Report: h=5 m=53
